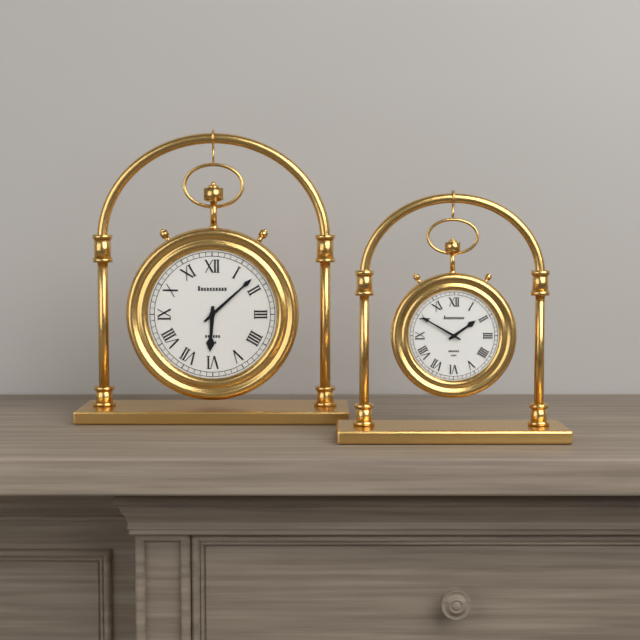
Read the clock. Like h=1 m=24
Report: h=6 m=8
